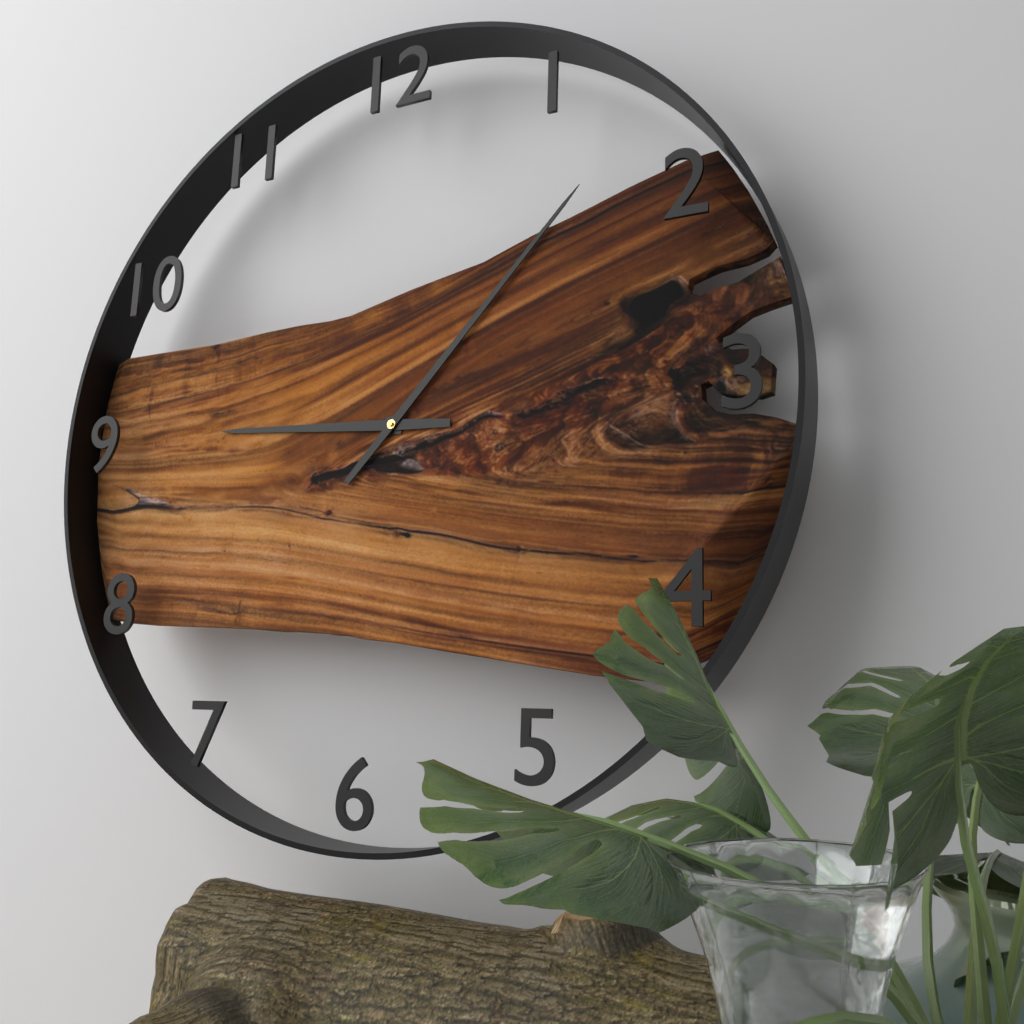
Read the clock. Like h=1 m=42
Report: h=9 m=7
